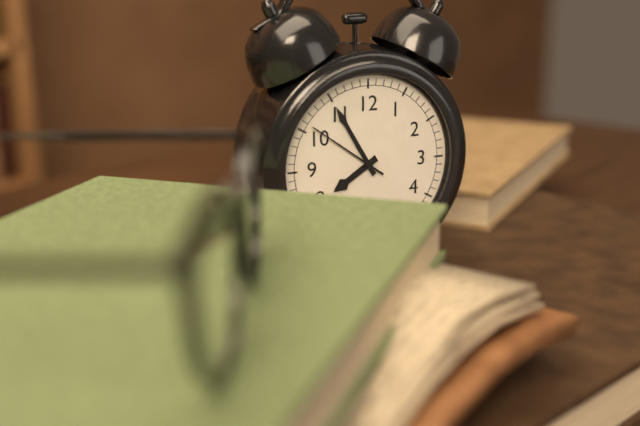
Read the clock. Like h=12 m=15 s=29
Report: h=7 m=55 s=51
